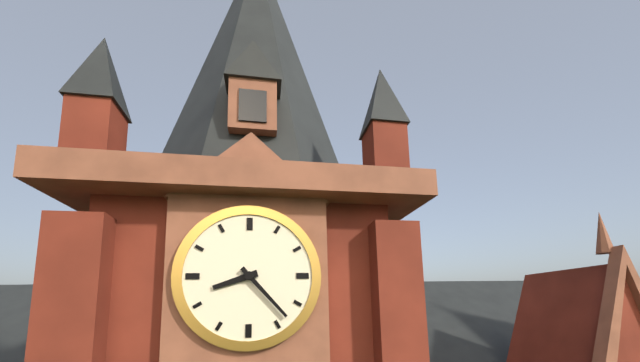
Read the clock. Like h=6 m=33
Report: h=8 m=23
